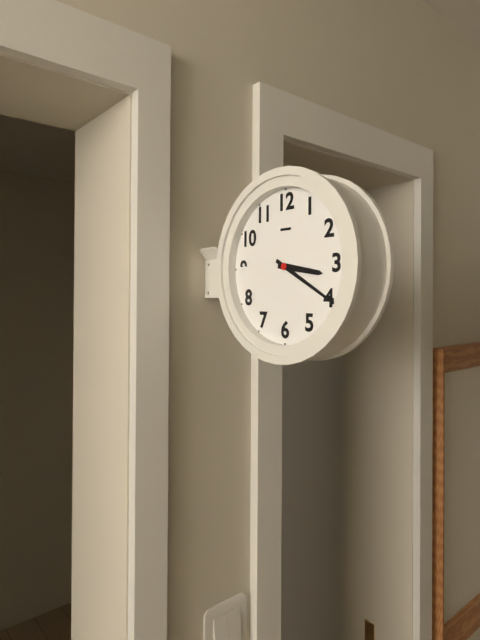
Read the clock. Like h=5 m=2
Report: h=3 m=20
